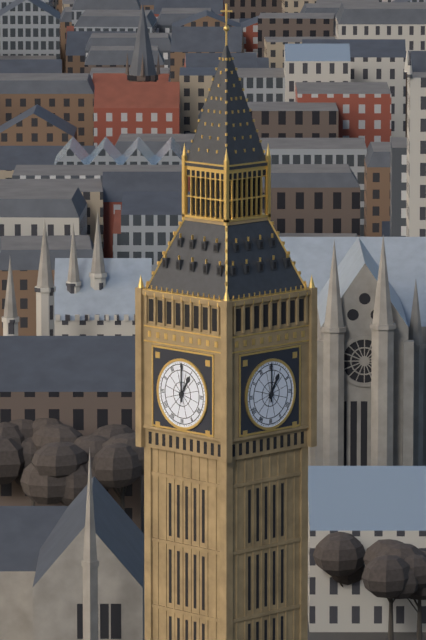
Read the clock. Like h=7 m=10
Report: h=1 m=0
